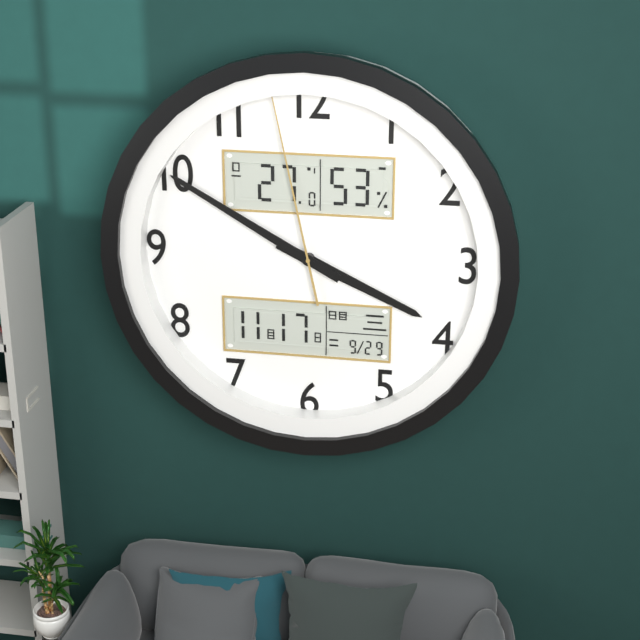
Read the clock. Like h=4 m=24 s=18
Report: h=3 m=50 s=58
